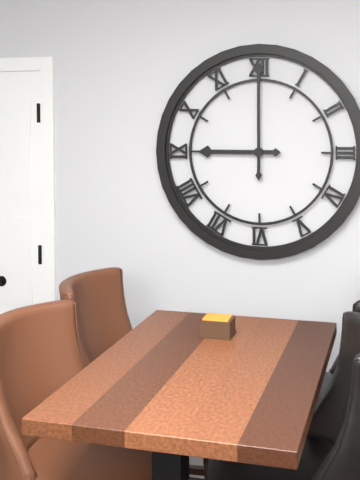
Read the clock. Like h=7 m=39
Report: h=9 m=0
